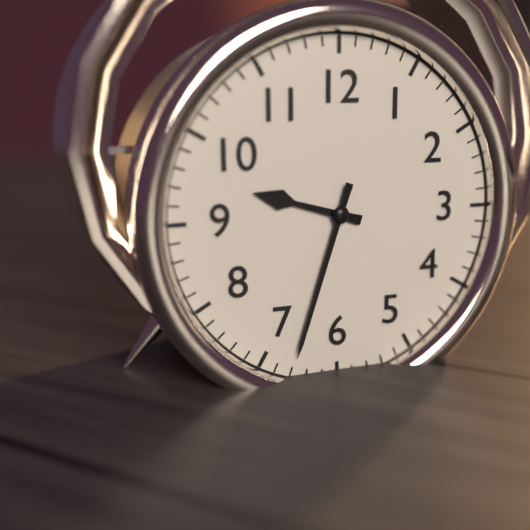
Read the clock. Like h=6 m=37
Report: h=9 m=33
